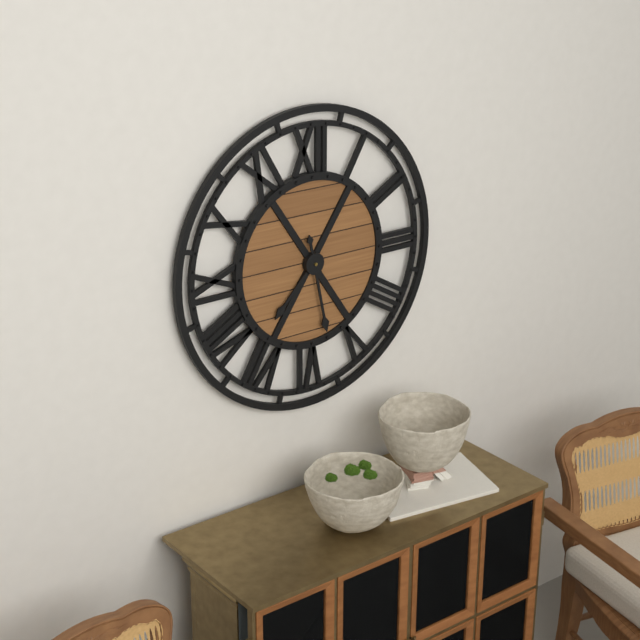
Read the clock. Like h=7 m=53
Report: h=7 m=28
